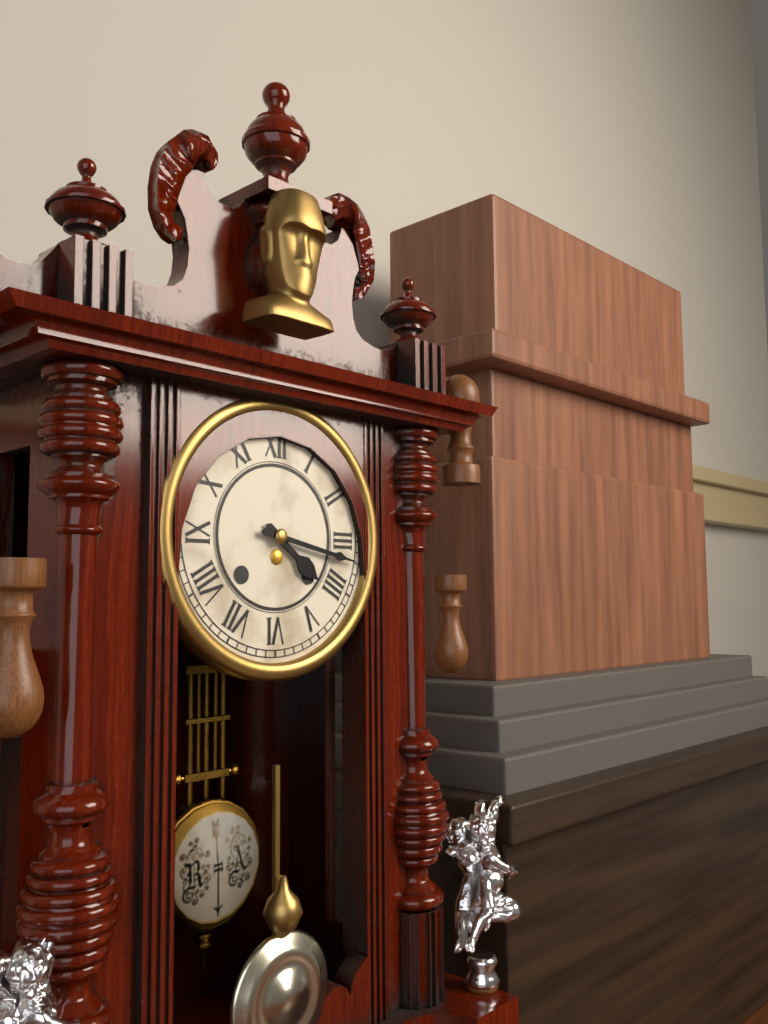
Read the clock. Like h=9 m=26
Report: h=4 m=17
